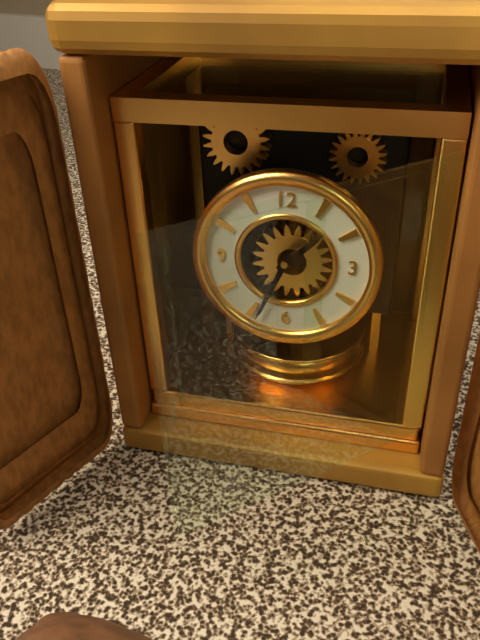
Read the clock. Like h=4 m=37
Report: h=1 m=34
